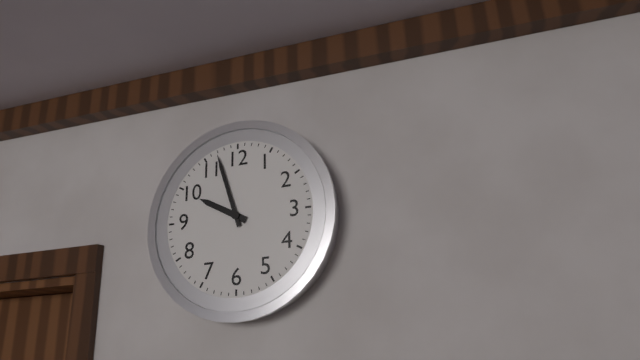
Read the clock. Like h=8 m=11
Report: h=9 m=57
